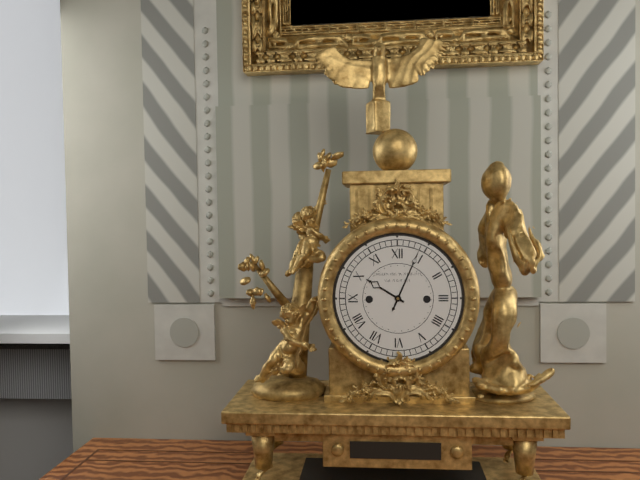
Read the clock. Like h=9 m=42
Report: h=10 m=4
